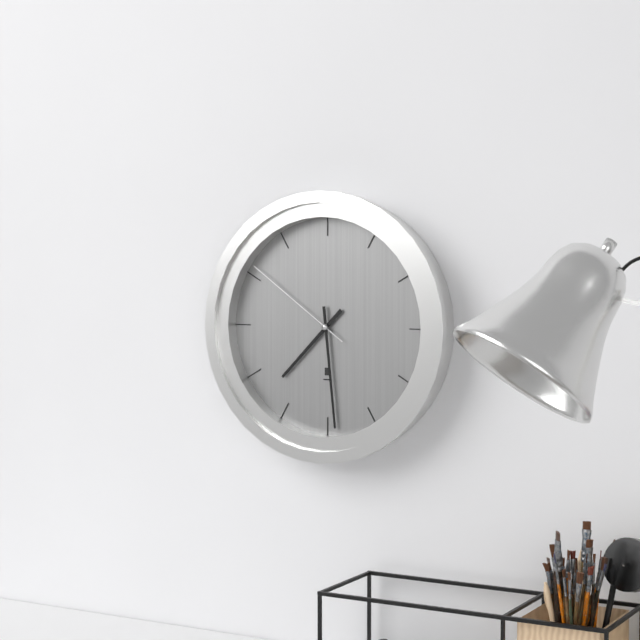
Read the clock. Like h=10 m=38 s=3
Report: h=7 m=29 s=51
